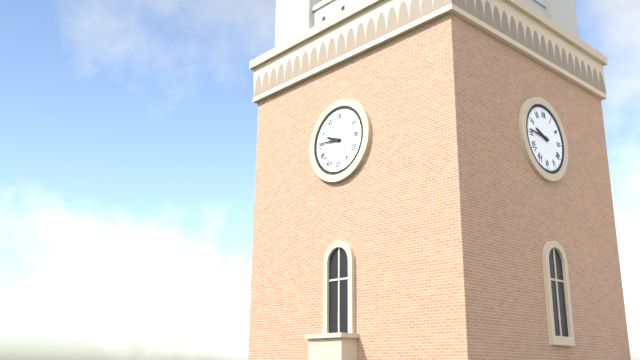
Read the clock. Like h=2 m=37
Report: h=9 m=46
